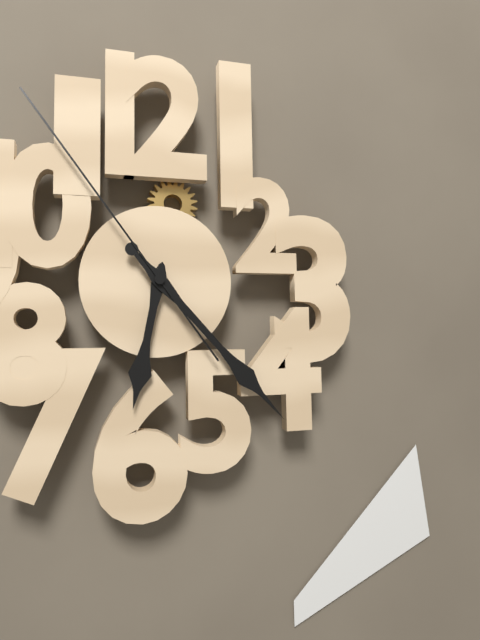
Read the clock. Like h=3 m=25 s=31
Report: h=6 m=23 s=54
